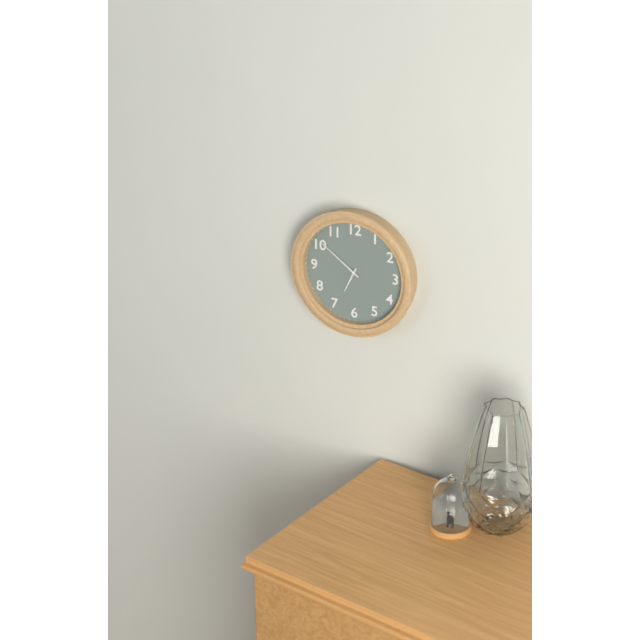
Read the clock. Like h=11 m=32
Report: h=6 m=51
